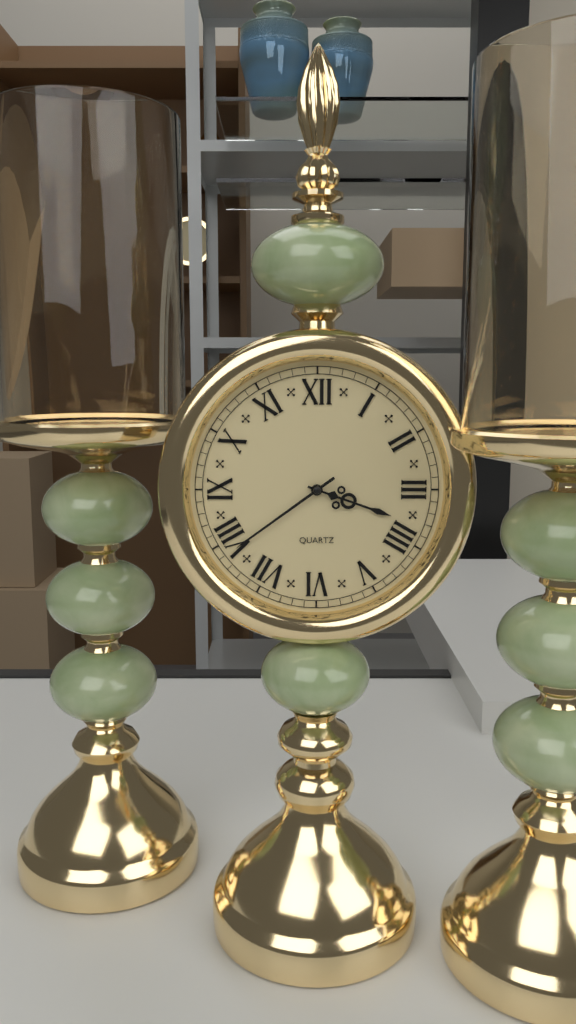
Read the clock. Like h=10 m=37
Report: h=3 m=39
